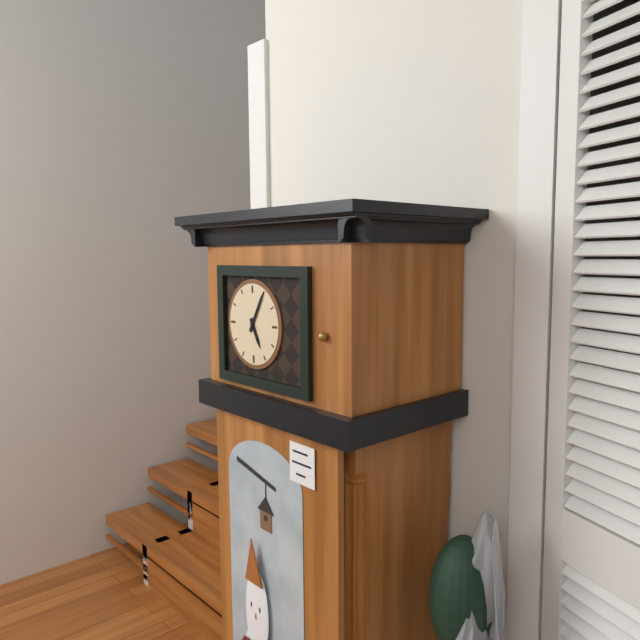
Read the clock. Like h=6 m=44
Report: h=5 m=5
